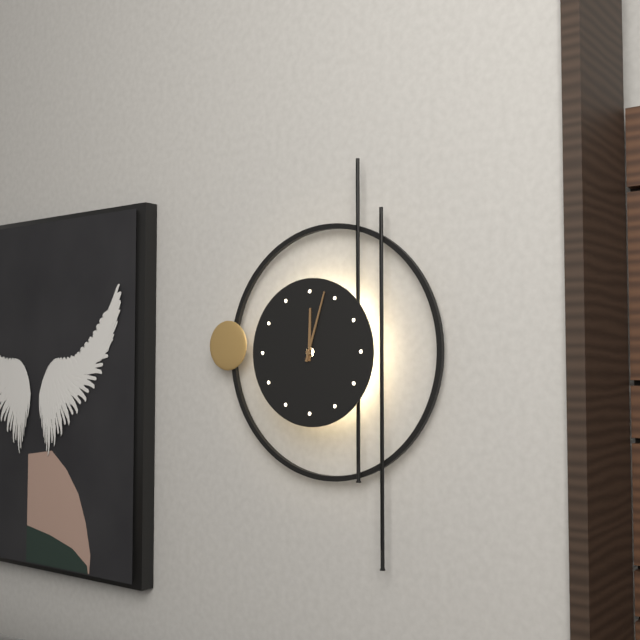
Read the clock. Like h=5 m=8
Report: h=12 m=3
